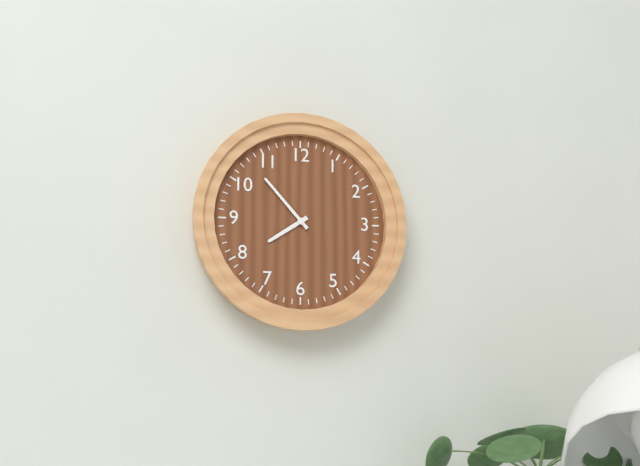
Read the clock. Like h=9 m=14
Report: h=7 m=53
